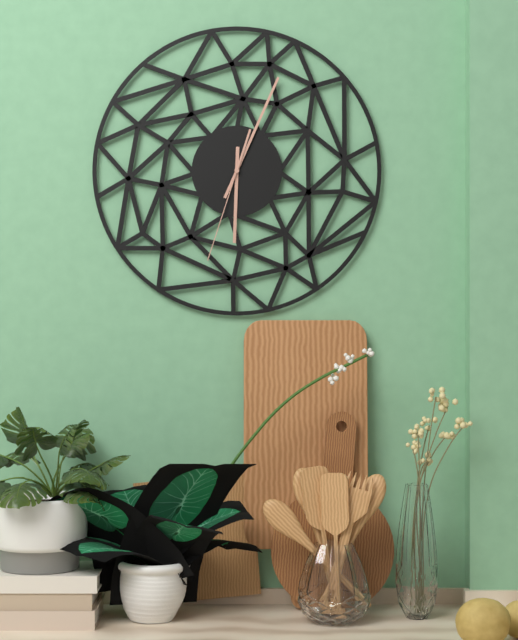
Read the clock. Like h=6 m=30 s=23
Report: h=6 m=4 s=33
